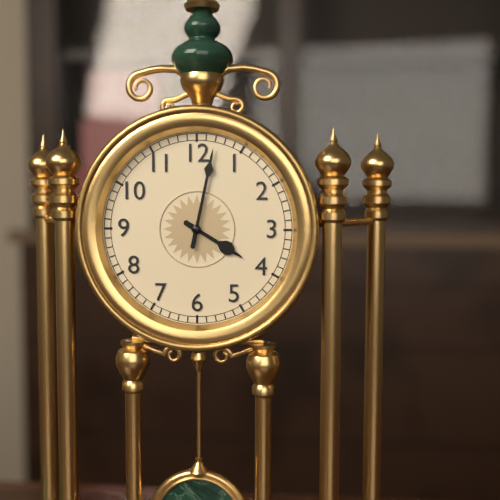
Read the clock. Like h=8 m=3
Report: h=4 m=2
